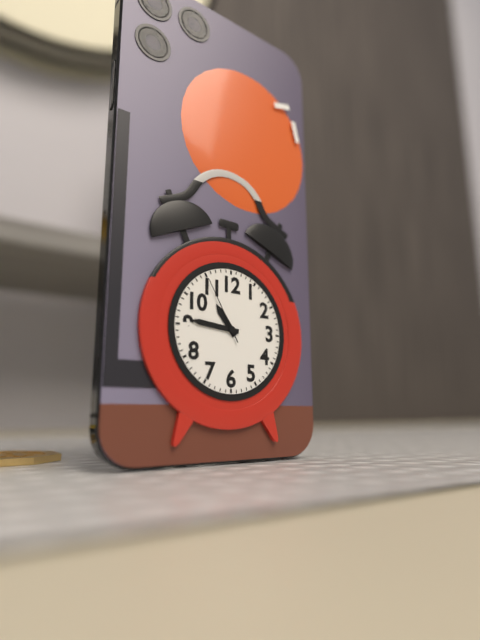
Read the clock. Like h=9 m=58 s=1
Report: h=10 m=46 s=55
